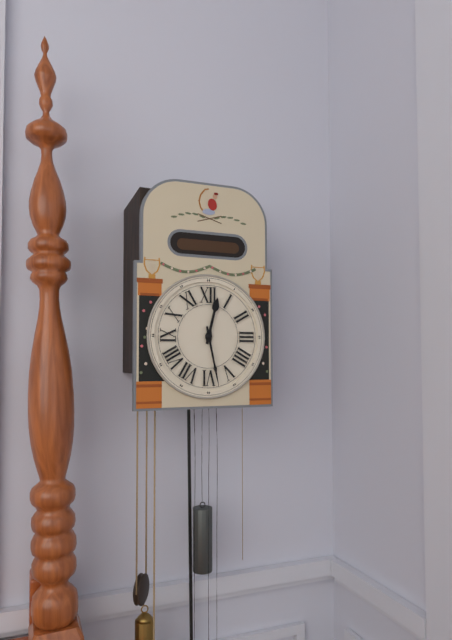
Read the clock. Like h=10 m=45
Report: h=12 m=28
